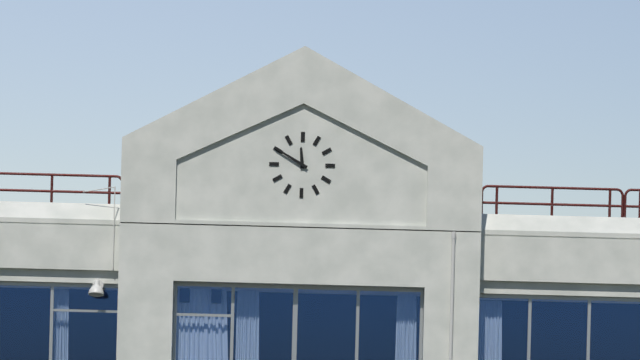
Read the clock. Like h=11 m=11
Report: h=11 m=50
